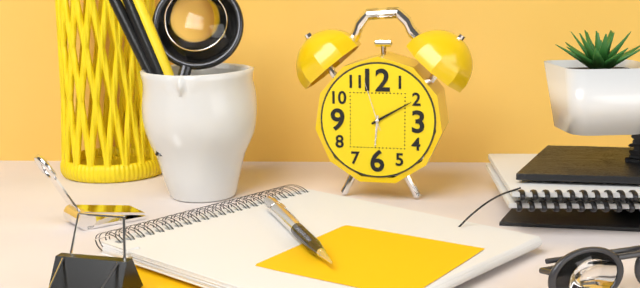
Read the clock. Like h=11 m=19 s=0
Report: h=6 m=10 s=57
